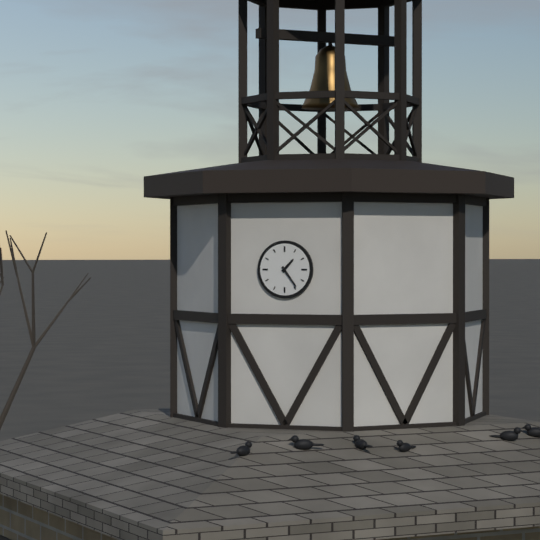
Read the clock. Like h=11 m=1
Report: h=1 m=24
